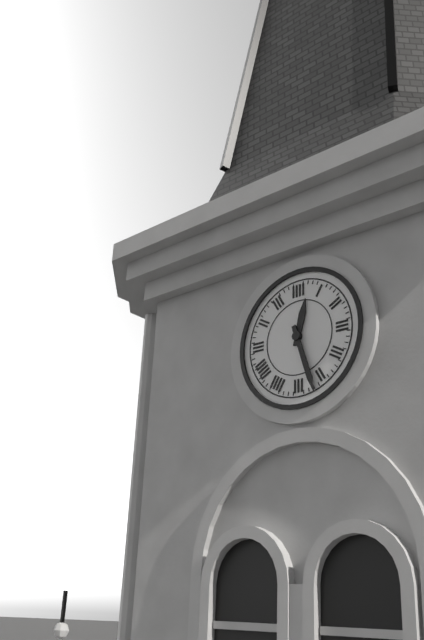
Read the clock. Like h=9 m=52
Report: h=12 m=27
